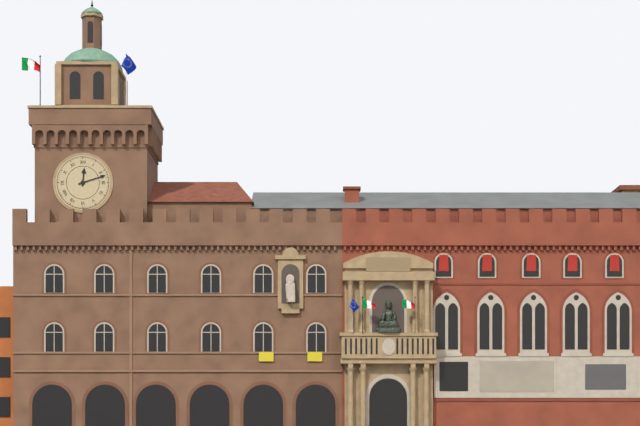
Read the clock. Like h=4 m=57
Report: h=12 m=12
